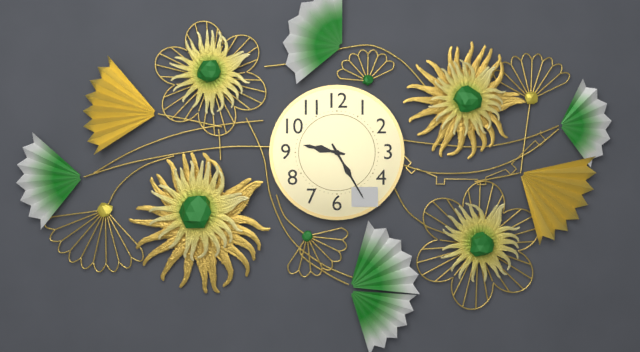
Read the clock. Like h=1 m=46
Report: h=9 m=25
